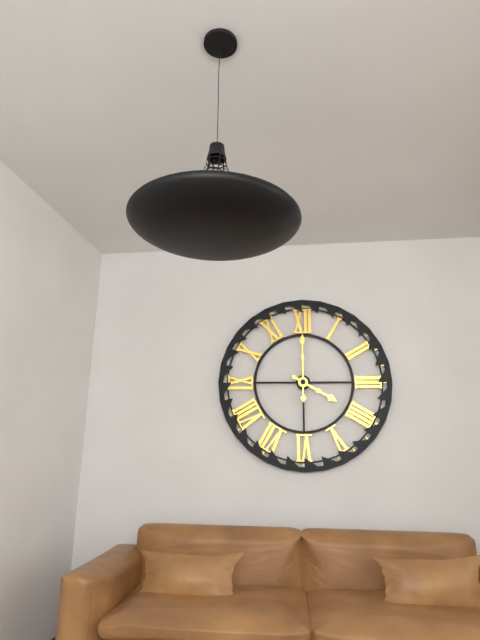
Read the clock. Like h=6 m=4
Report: h=4 m=0
